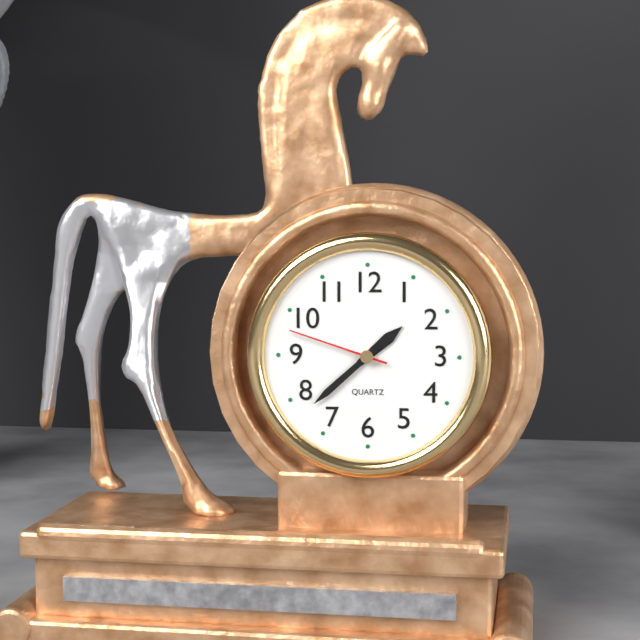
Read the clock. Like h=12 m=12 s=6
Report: h=1 m=38 s=48
